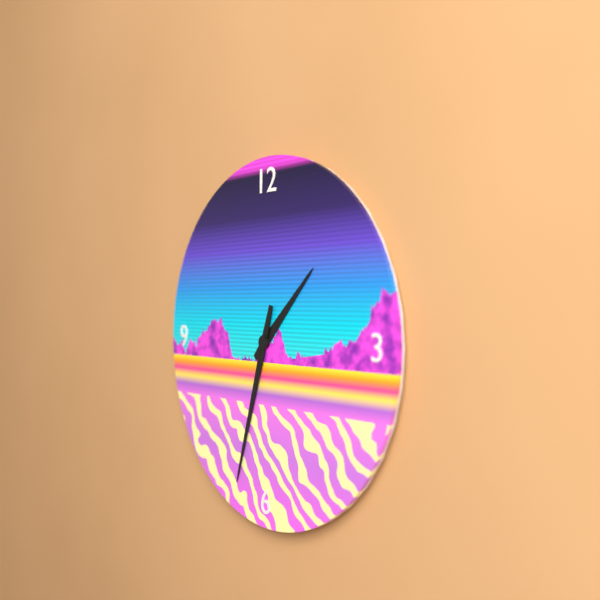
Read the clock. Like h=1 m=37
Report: h=1 m=33
